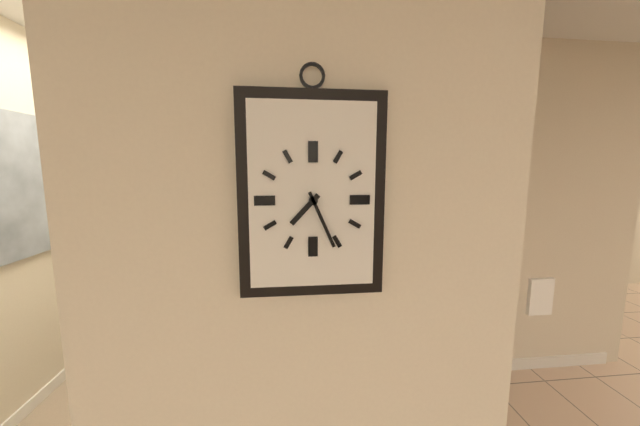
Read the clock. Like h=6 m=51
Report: h=7 m=26
